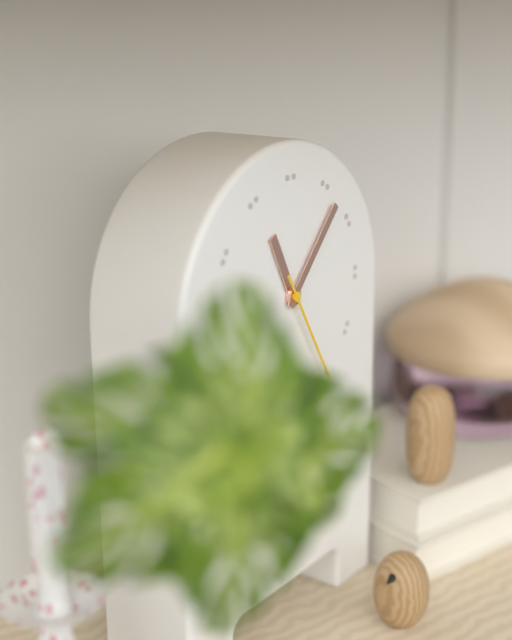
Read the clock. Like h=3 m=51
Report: h=11 m=7
